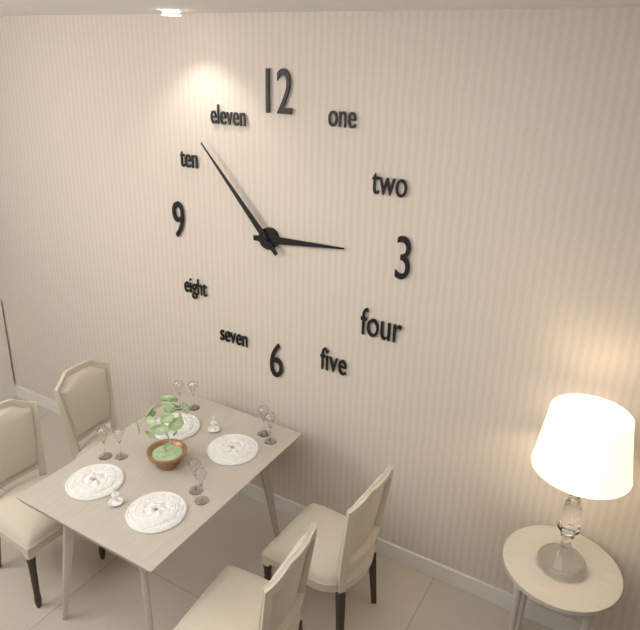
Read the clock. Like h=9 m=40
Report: h=2 m=53
